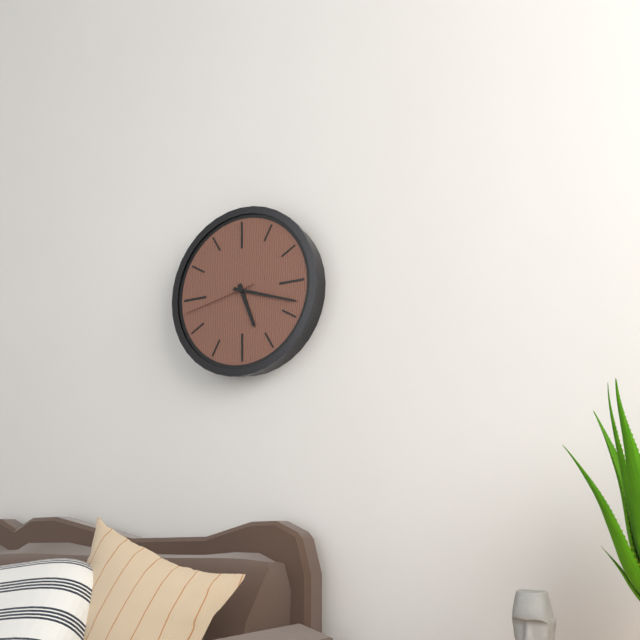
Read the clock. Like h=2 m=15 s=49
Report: h=5 m=18 s=43
